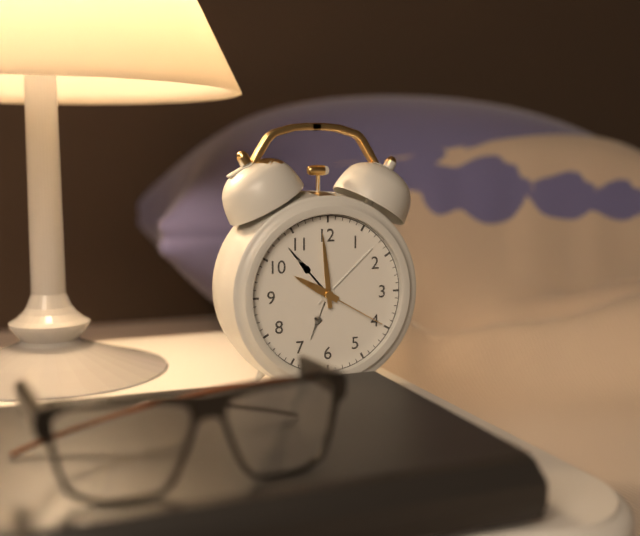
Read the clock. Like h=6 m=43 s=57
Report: h=9 m=59 s=20
